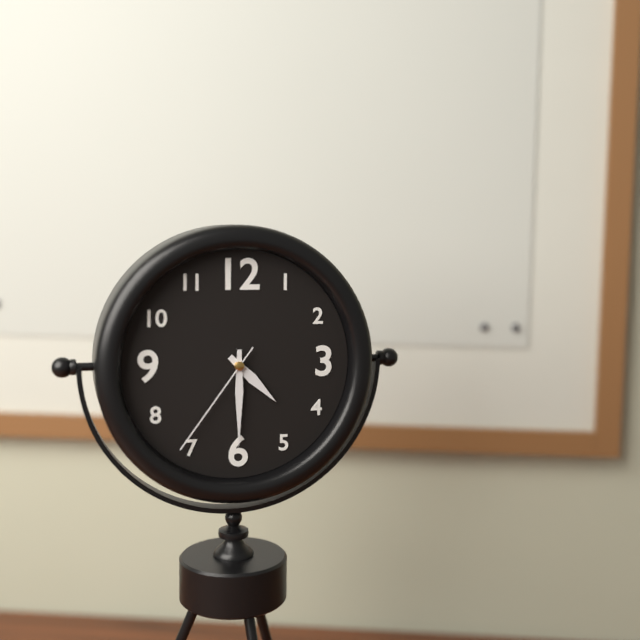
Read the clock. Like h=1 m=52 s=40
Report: h=4 m=30 s=36
